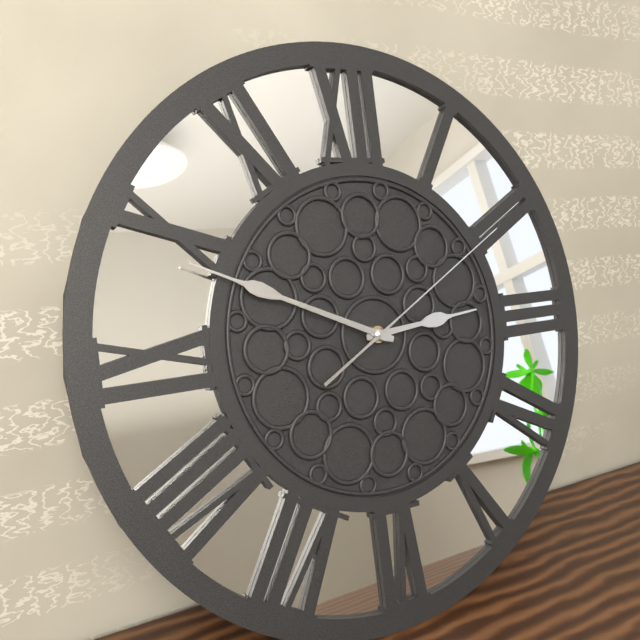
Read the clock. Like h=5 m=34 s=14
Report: h=2 m=49 s=10
